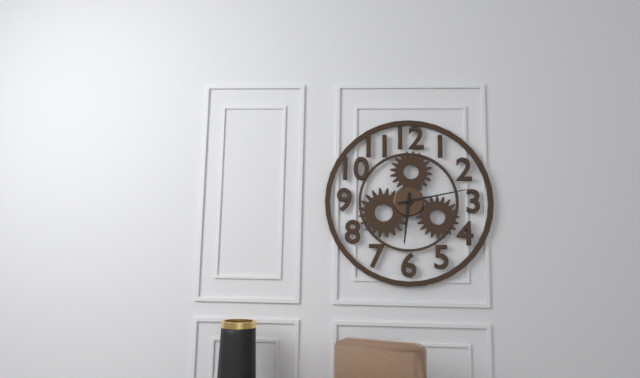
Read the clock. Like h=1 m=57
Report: h=6 m=13
